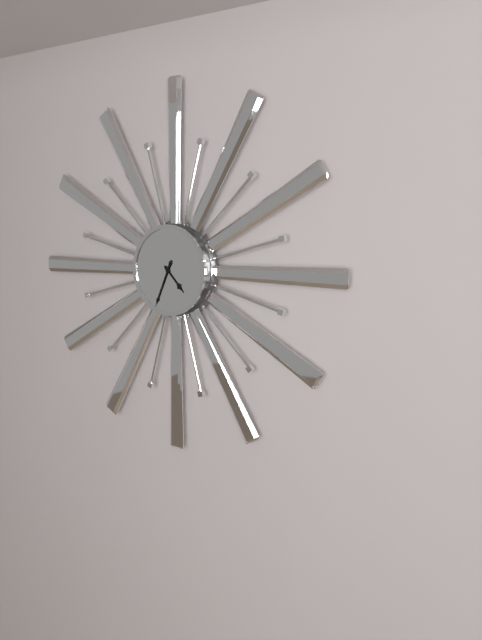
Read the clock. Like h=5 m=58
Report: h=4 m=34
